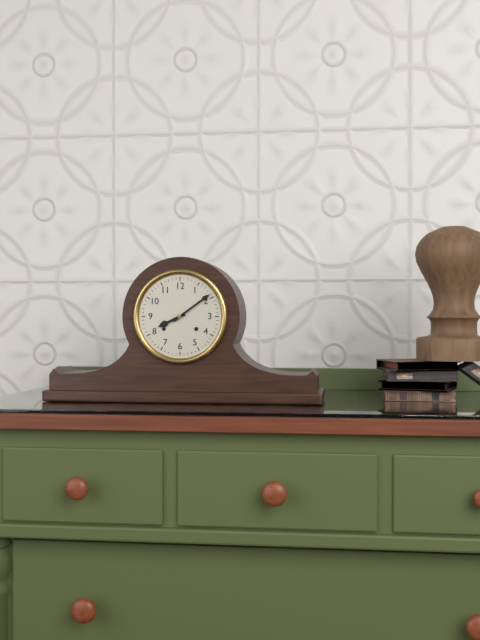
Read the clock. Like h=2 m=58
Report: h=8 m=9
